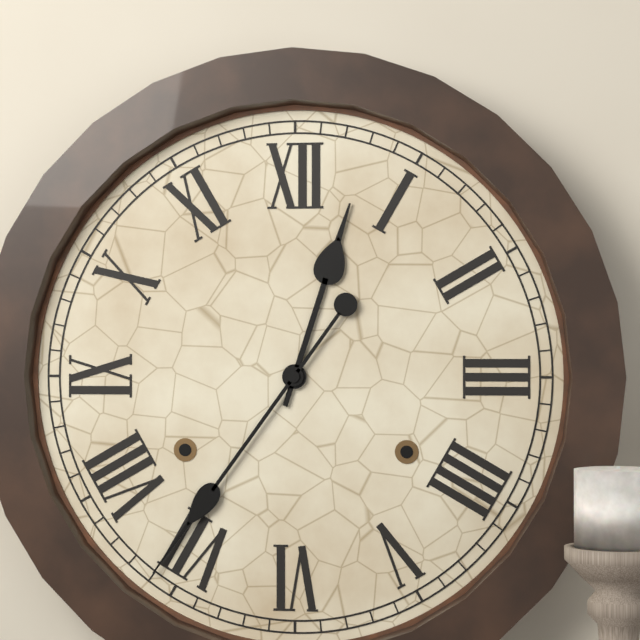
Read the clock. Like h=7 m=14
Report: h=12 m=36
